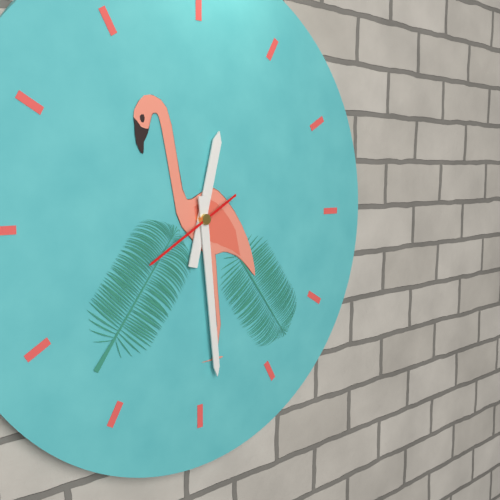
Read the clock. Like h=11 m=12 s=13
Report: h=12 m=29 s=40
